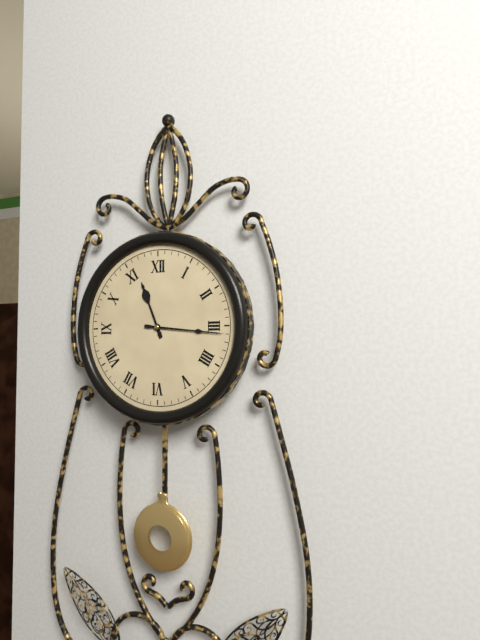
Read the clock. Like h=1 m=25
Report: h=11 m=16
